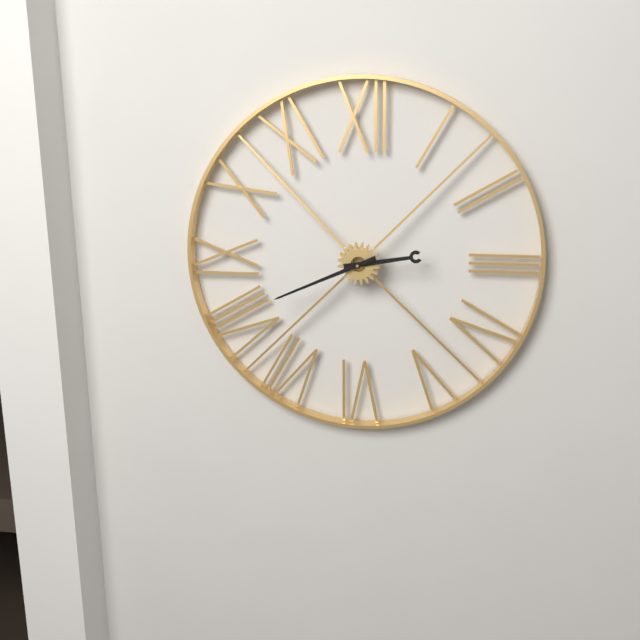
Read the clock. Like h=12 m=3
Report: h=2 m=41
